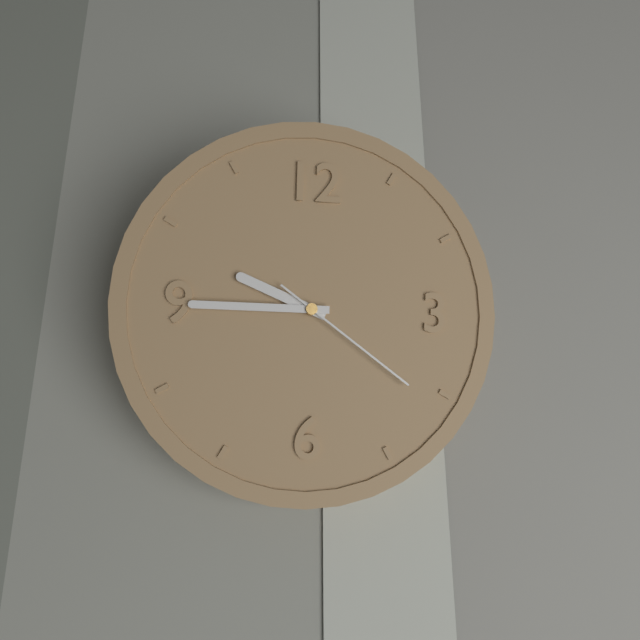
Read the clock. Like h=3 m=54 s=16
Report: h=9 m=45 s=21
